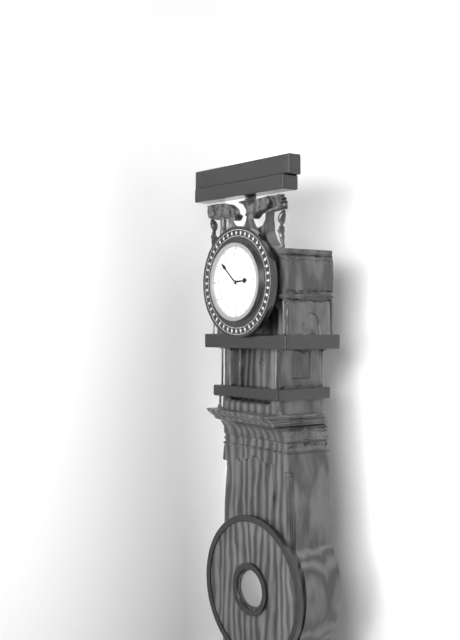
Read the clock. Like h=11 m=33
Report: h=2 m=52
